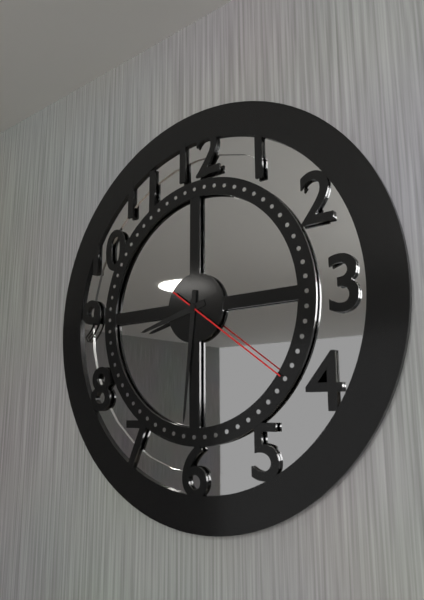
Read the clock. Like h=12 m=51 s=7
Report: h=8 m=31 s=21
